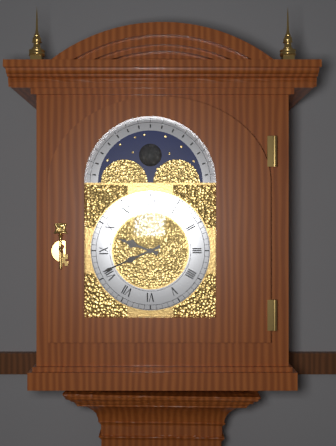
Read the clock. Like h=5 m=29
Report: h=9 m=41
